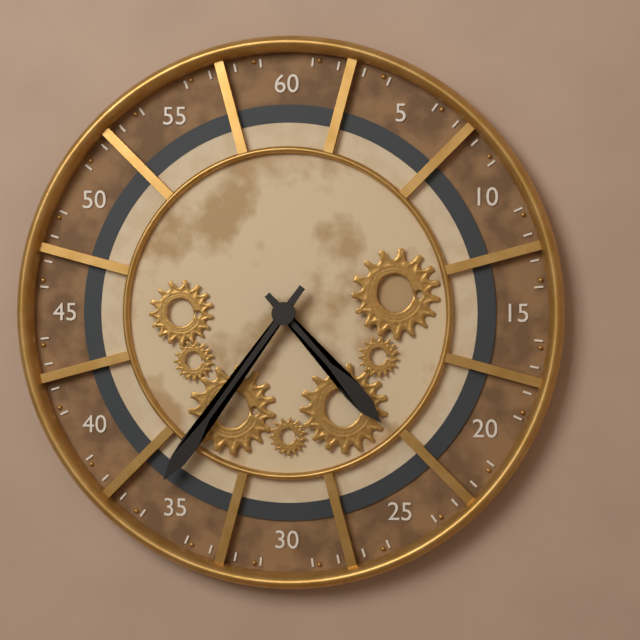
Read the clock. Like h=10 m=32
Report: h=4 m=36
